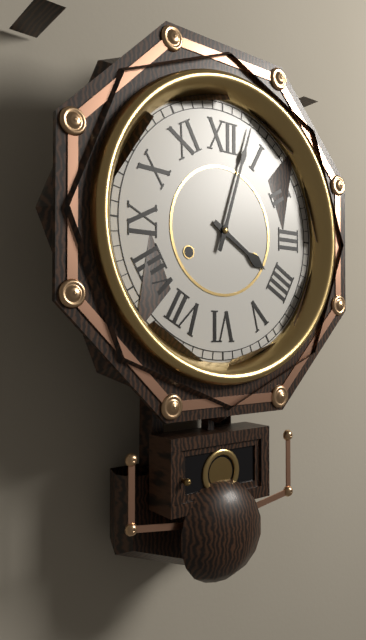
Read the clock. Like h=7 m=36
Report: h=4 m=3
